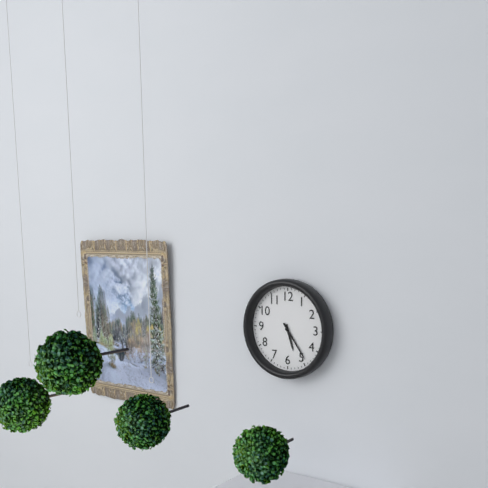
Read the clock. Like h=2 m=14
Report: h=5 m=24
